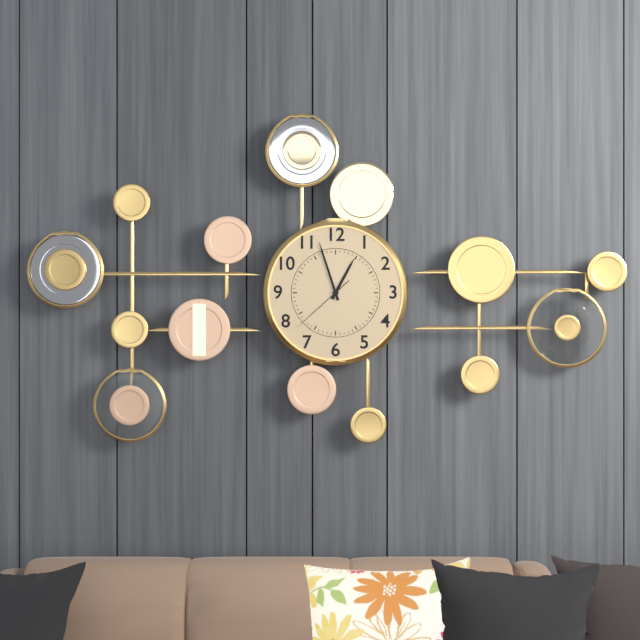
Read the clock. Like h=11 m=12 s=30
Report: h=12 m=57 s=38
